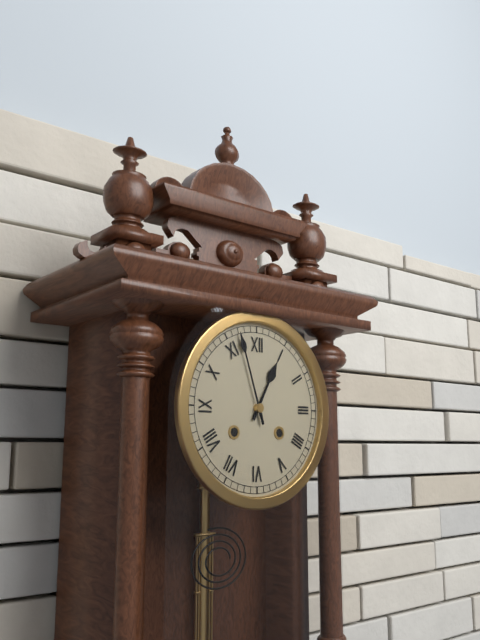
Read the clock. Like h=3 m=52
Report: h=12 m=57
